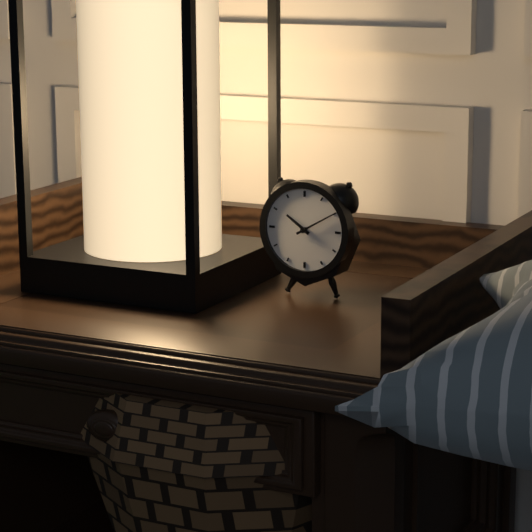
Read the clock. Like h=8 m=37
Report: h=10 m=10
